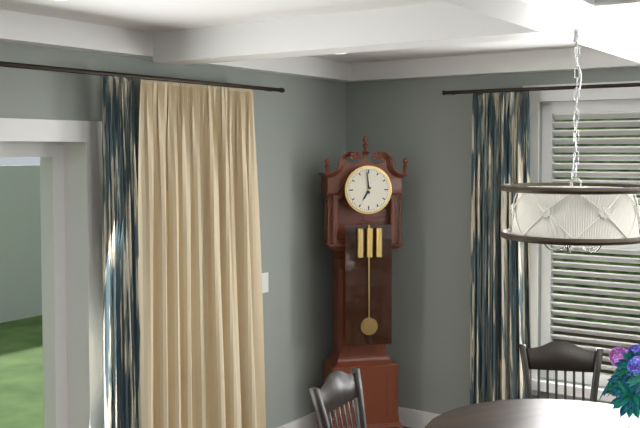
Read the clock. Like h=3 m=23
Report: h=6 m=59
